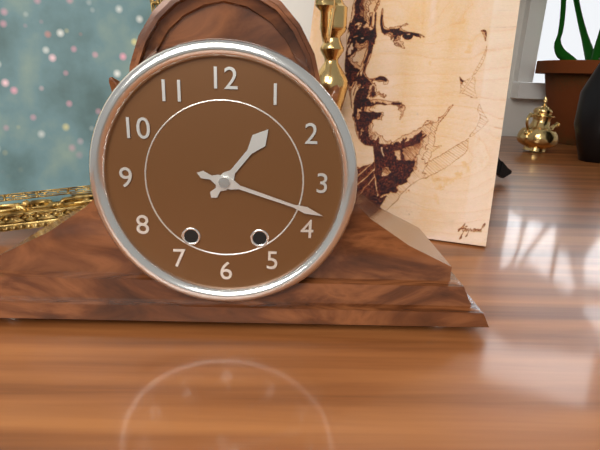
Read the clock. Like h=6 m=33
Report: h=1 m=18
